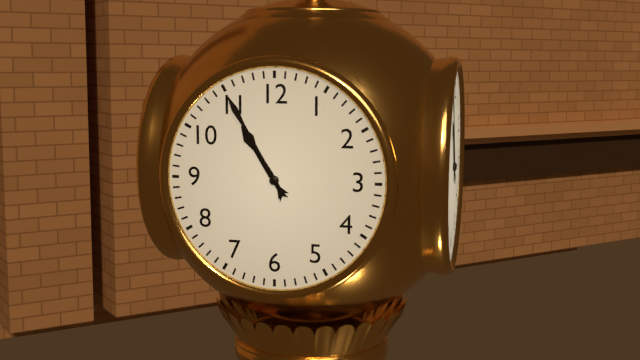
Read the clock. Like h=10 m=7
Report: h=10 m=55
